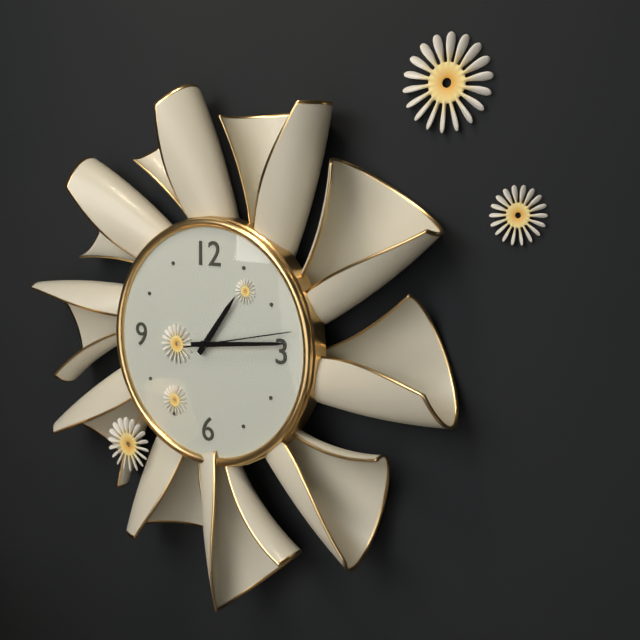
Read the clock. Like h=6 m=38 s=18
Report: h=1 m=14 s=13
